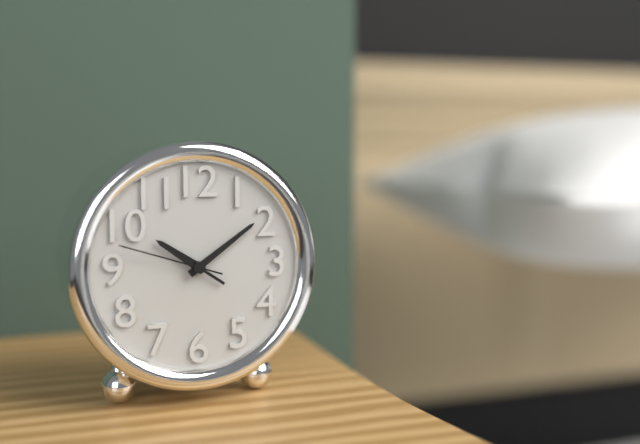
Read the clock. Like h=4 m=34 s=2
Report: h=10 m=9 s=48
